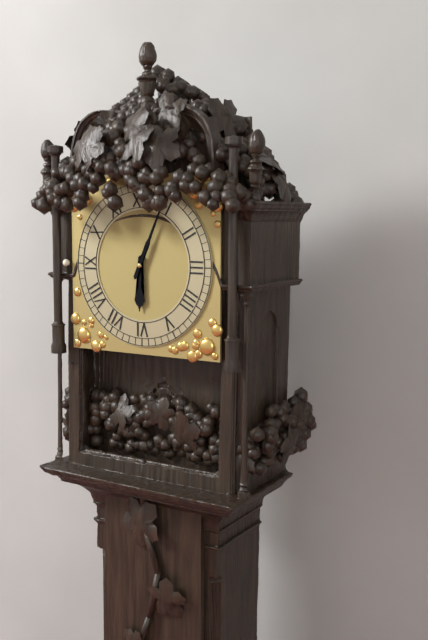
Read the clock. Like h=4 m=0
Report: h=6 m=4
